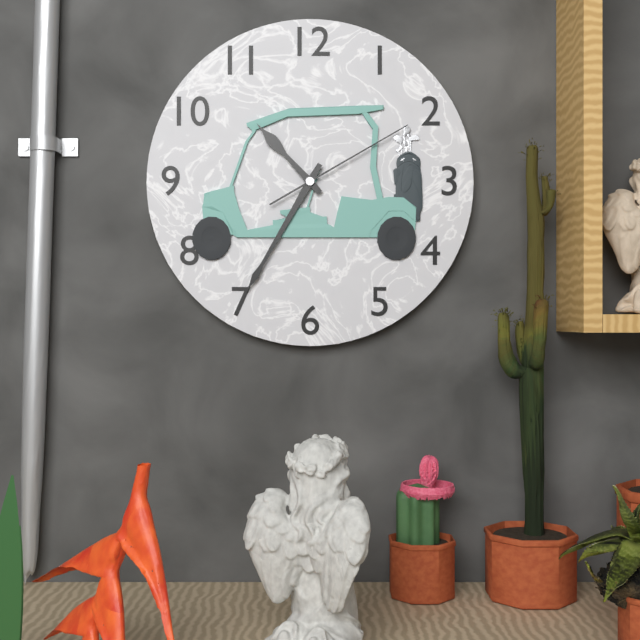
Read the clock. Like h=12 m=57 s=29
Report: h=10 m=35 s=10
